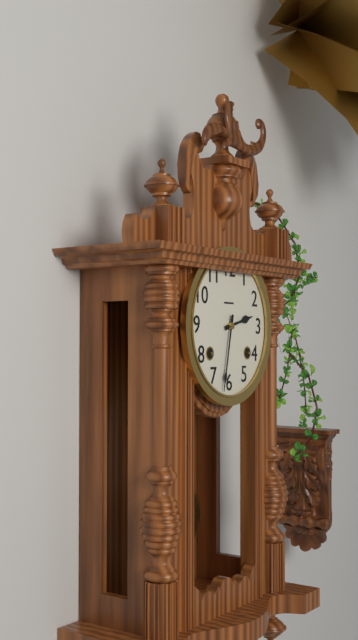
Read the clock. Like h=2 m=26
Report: h=2 m=32
